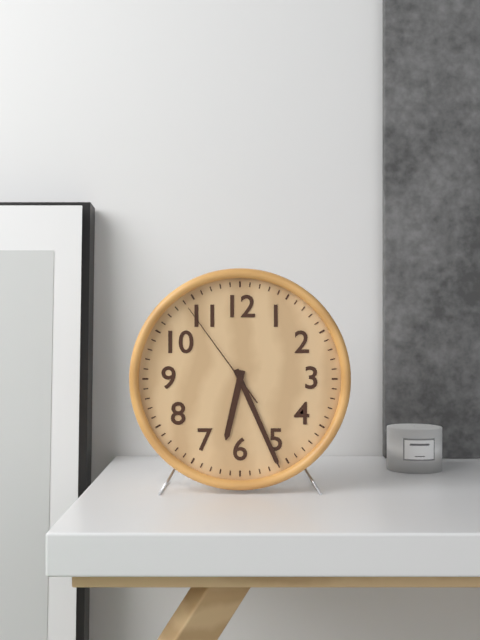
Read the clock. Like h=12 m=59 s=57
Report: h=6 m=26 s=54
